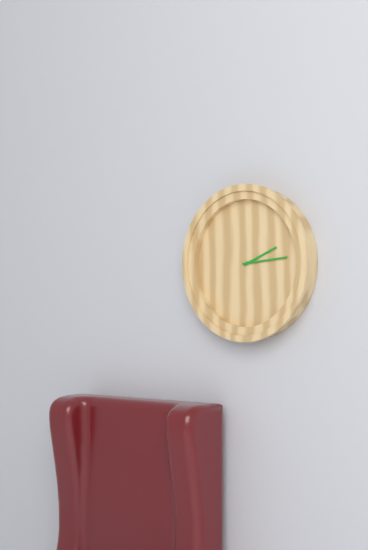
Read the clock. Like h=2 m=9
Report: h=2 m=14
